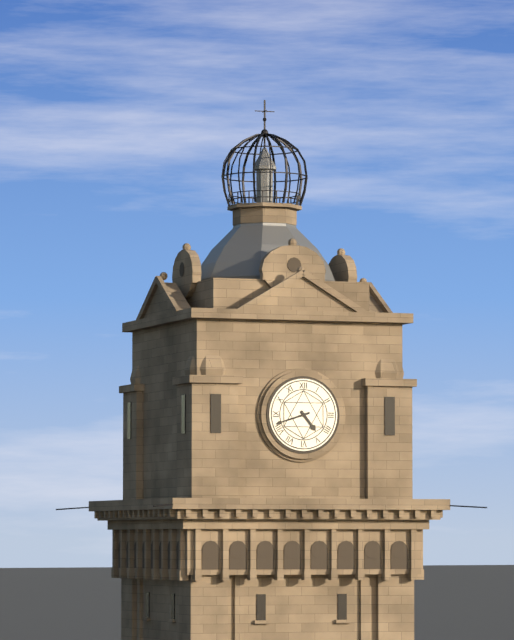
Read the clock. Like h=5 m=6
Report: h=4 m=42
